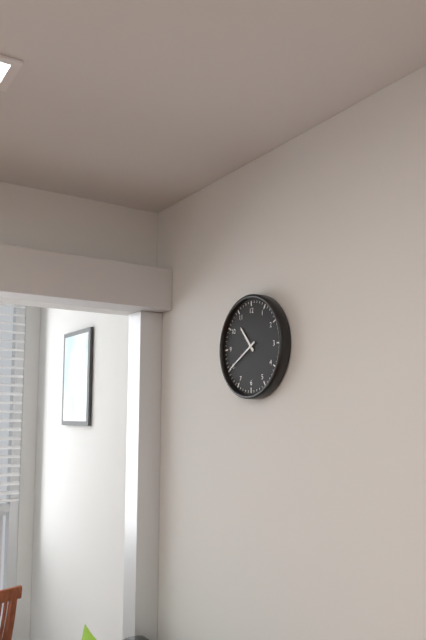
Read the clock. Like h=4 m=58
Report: h=10 m=40
